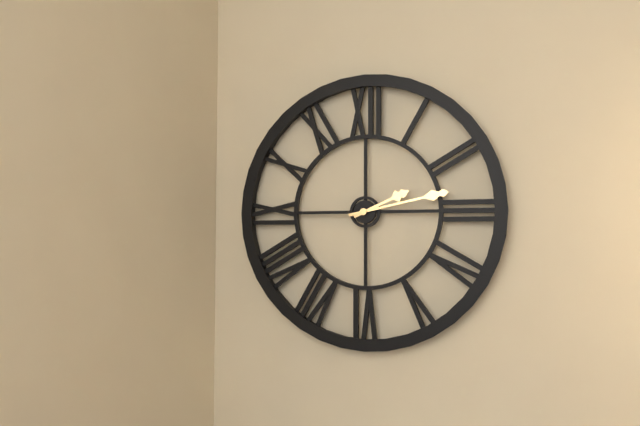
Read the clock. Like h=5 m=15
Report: h=2 m=13
